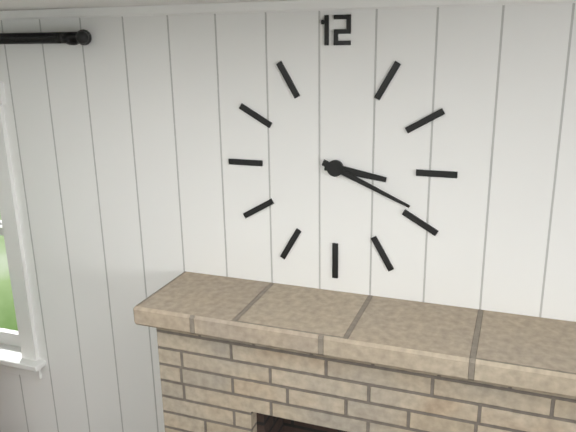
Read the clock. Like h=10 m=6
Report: h=3 m=19
